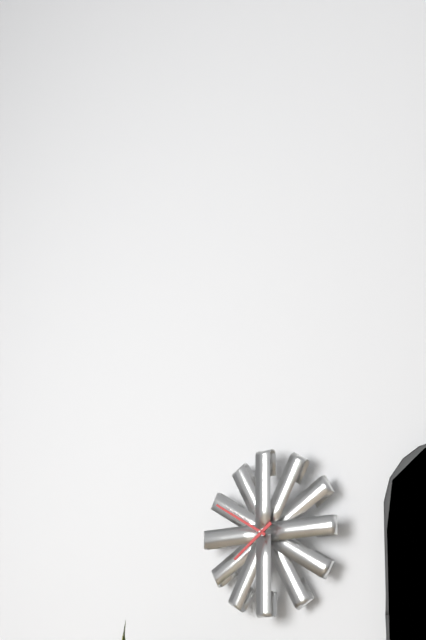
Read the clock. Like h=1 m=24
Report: h=7 m=50
